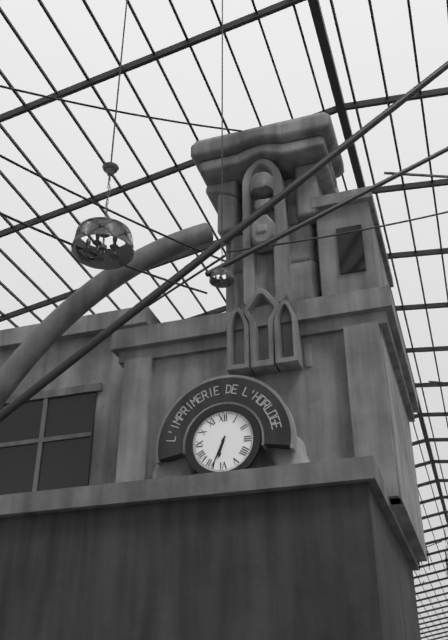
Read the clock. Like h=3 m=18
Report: h=6 m=34
